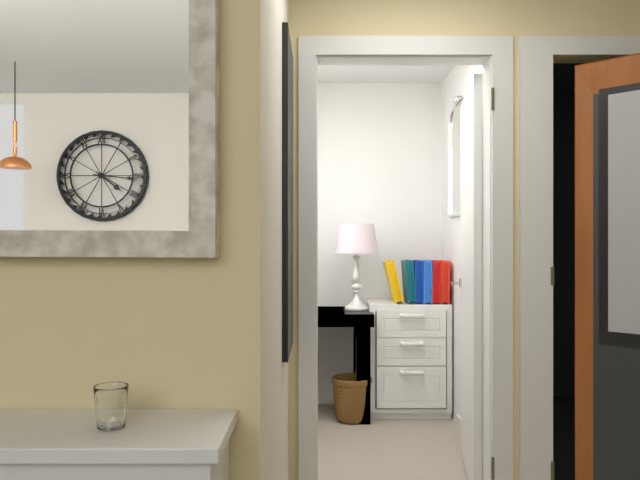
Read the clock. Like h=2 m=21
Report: h=4 m=16
